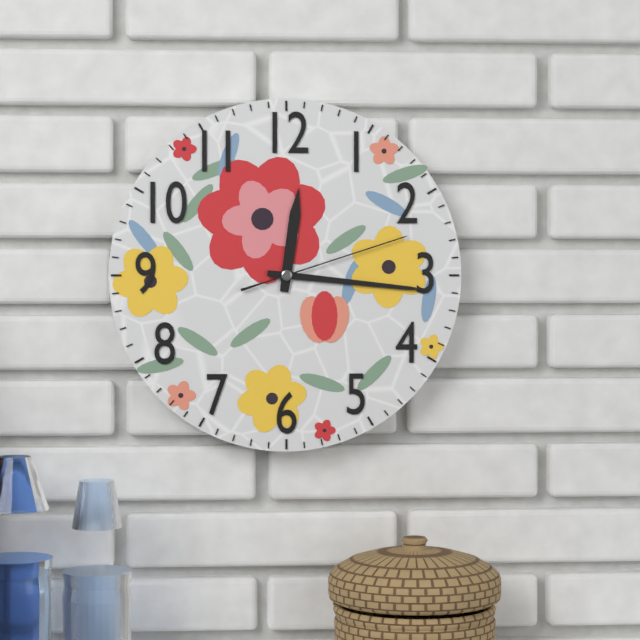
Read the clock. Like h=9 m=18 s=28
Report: h=12 m=16 s=12
